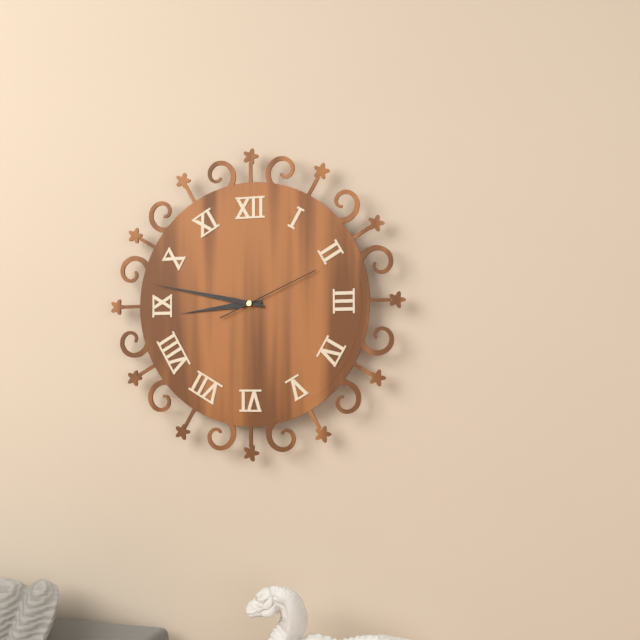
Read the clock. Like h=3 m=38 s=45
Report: h=8 m=47 s=11
